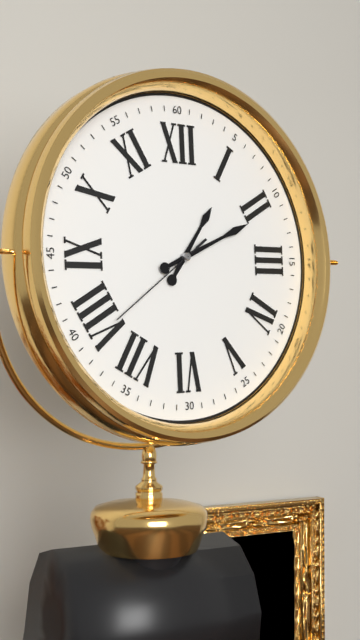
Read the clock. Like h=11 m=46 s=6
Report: h=1 m=11 s=39
